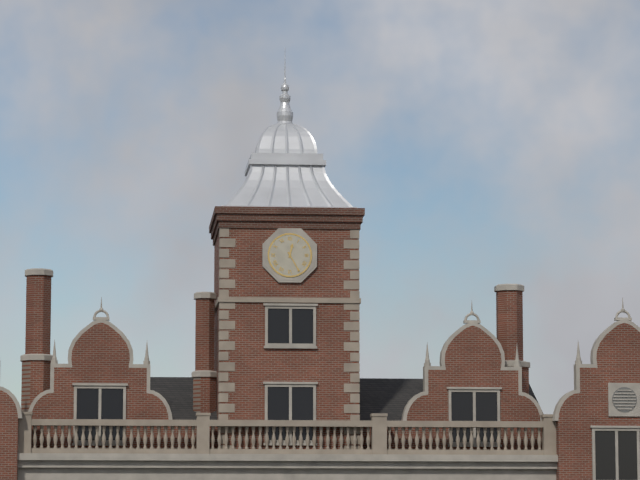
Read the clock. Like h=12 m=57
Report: h=12 m=25
